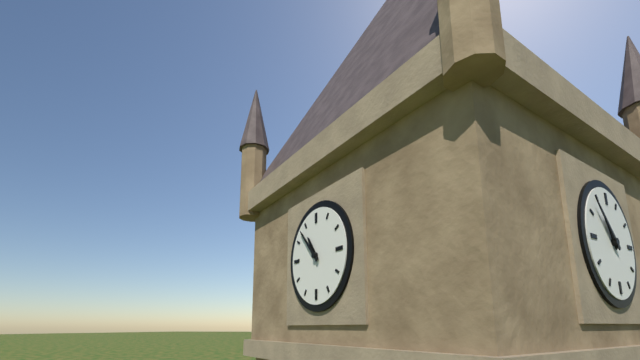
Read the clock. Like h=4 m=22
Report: h=10 m=53
